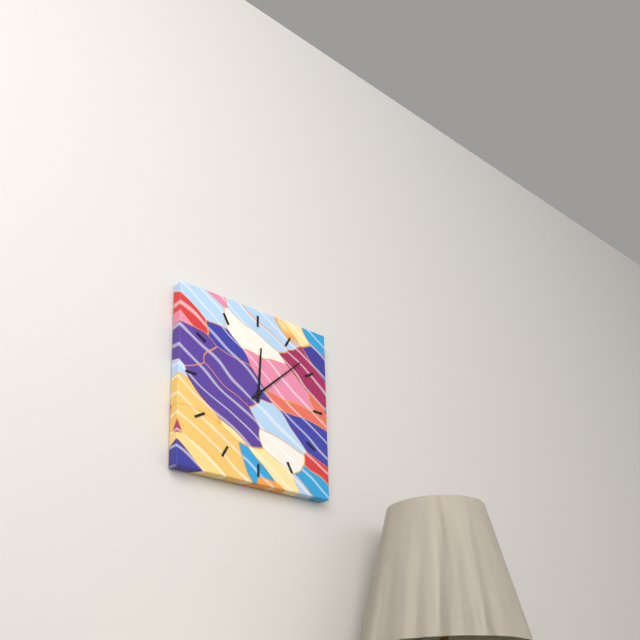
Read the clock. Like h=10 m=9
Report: h=12 m=8
